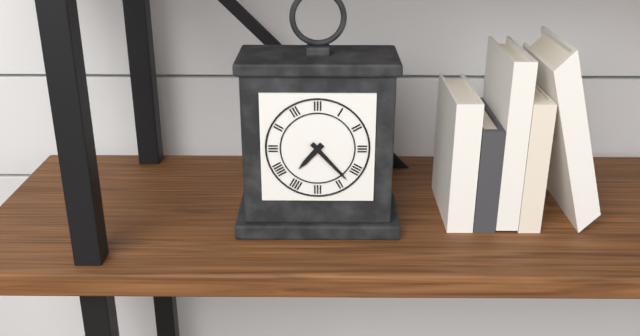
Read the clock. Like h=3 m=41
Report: h=7 m=23
